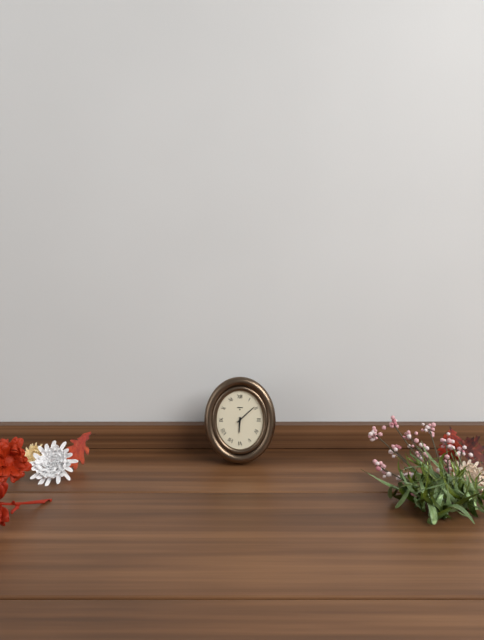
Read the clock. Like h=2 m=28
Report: h=6 m=8
